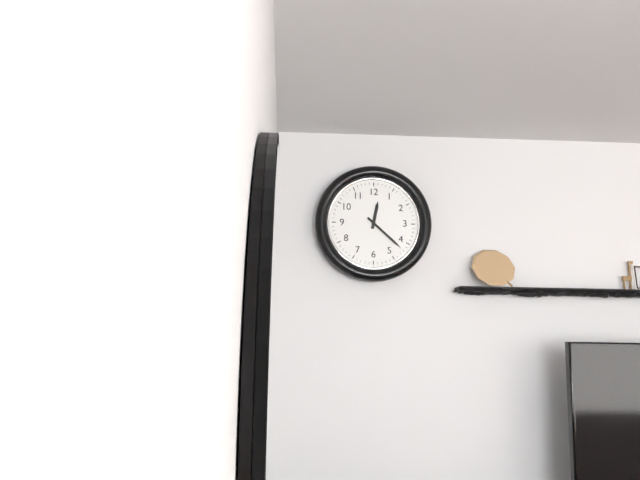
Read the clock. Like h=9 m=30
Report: h=12 m=22
